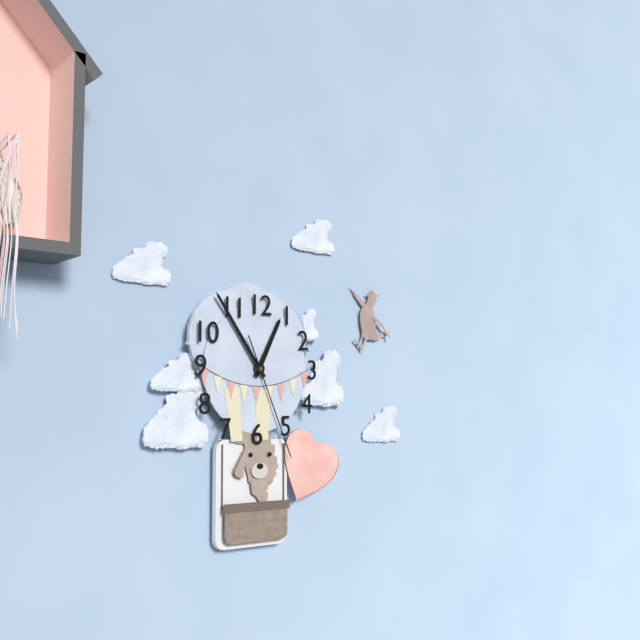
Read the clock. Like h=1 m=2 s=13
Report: h=12 m=54 s=26
